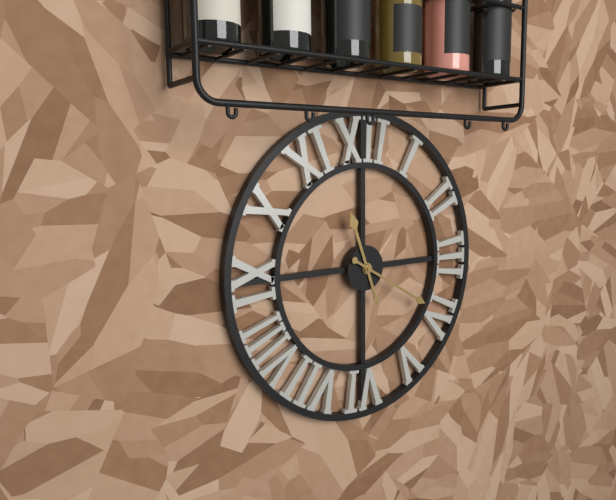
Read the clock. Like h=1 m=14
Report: h=11 m=20
